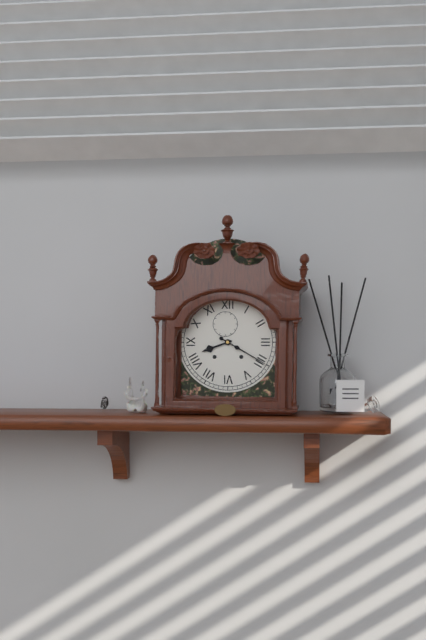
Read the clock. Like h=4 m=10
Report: h=8 m=20
